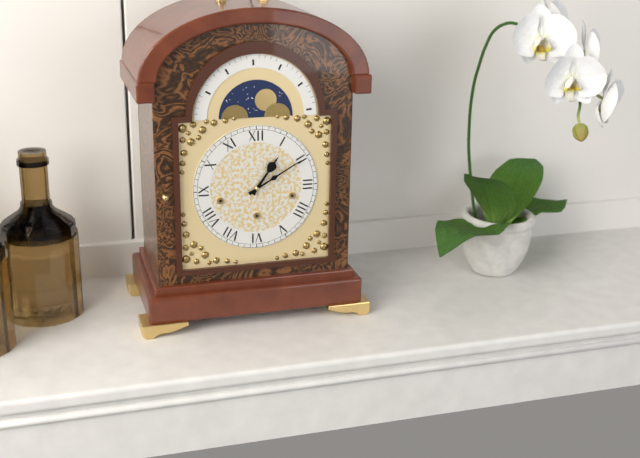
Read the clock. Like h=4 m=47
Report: h=1 m=10
